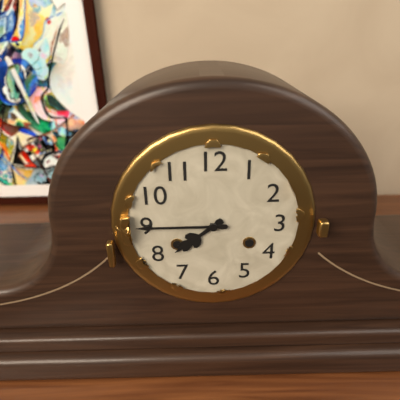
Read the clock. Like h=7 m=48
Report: h=7 m=45
